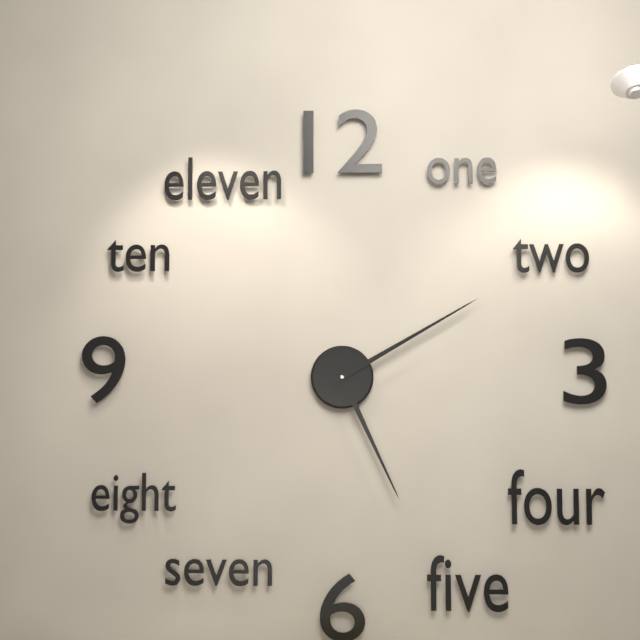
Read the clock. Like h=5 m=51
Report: h=5 m=10
